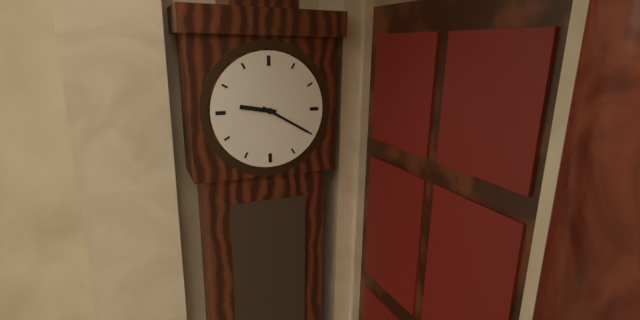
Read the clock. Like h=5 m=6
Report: h=9 m=20
